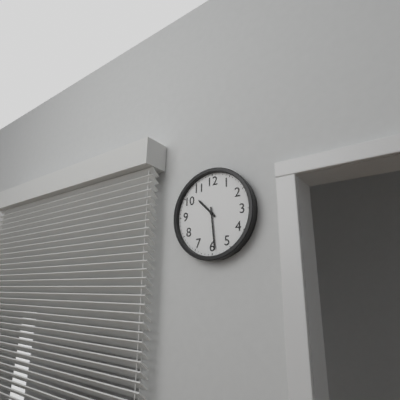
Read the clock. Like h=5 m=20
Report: h=10 m=29
